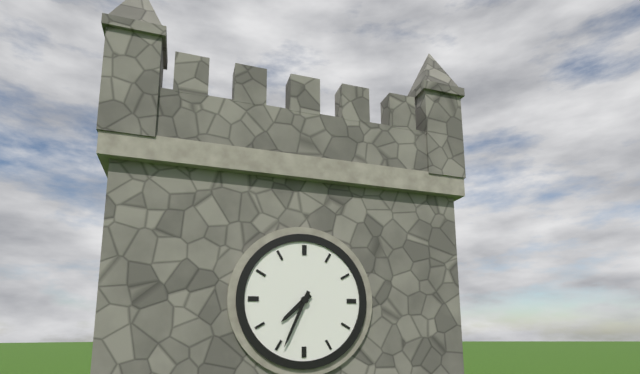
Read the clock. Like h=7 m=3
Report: h=7 m=34
